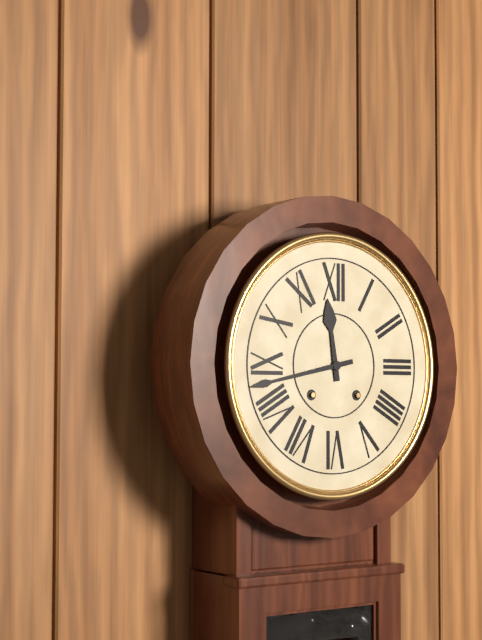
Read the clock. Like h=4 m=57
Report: h=11 m=43
